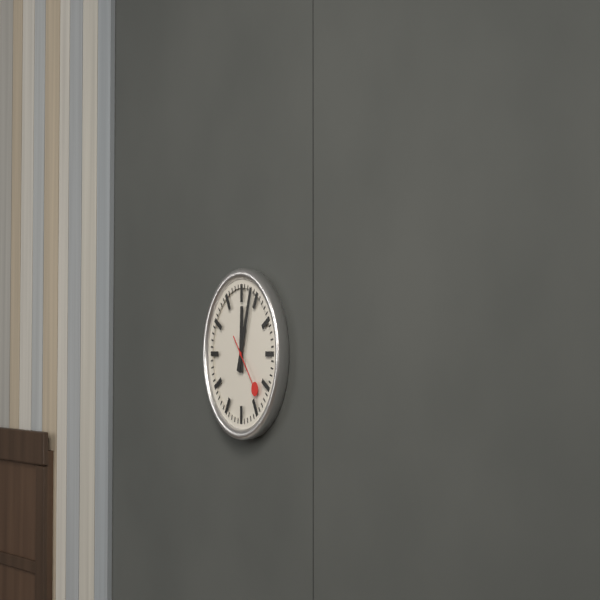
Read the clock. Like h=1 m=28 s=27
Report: h=12 m=3 s=23
